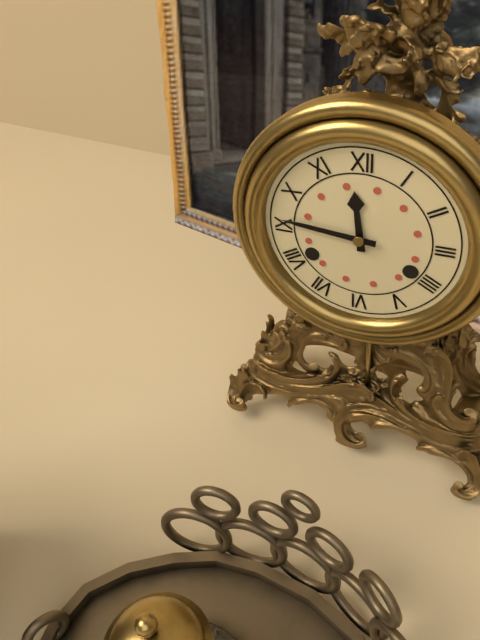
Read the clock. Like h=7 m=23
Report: h=11 m=46
